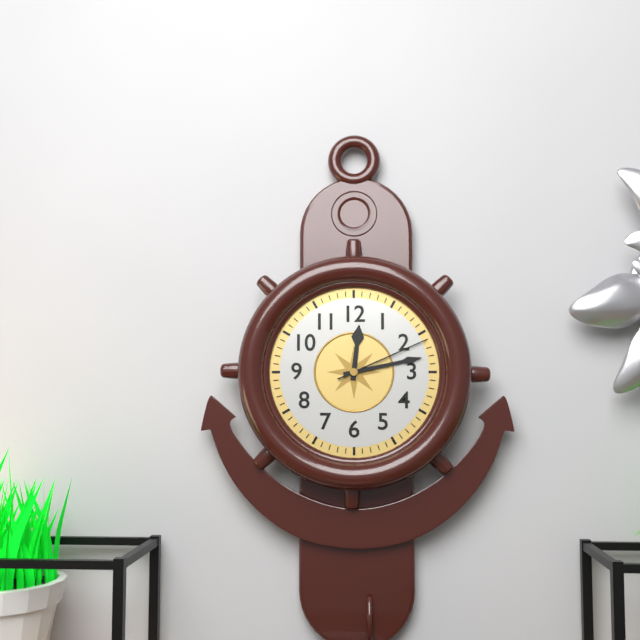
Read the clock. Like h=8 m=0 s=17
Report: h=12 m=13 s=11
